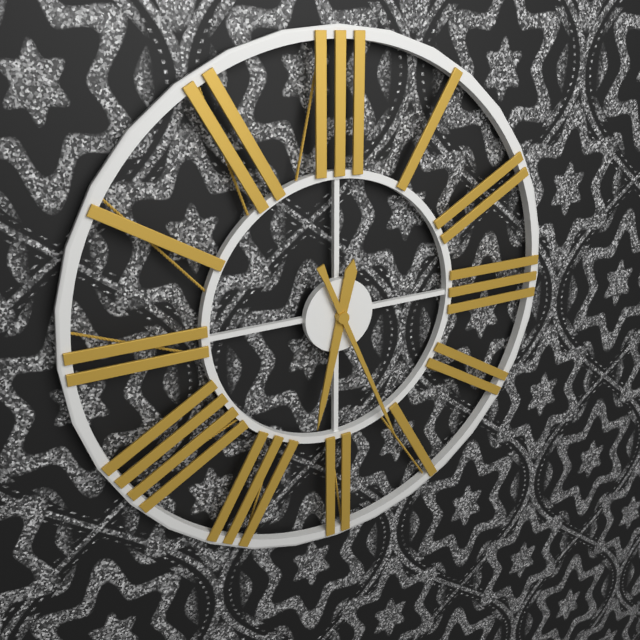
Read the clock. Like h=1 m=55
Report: h=6 m=26
